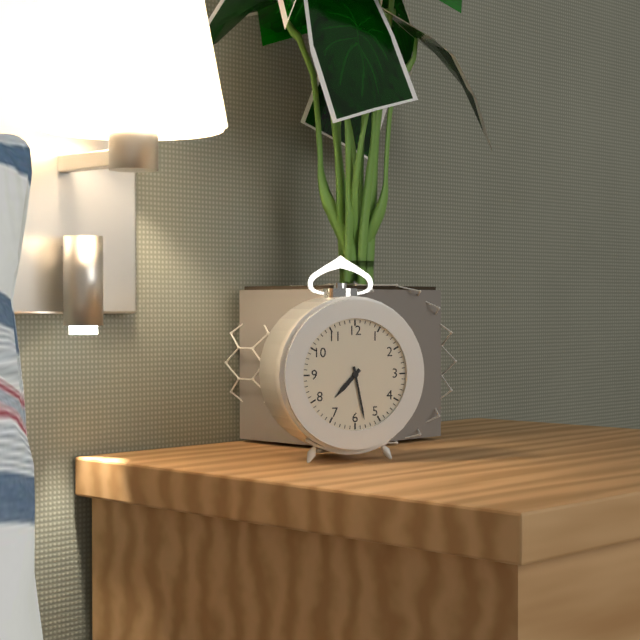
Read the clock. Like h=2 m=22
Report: h=7 m=28
